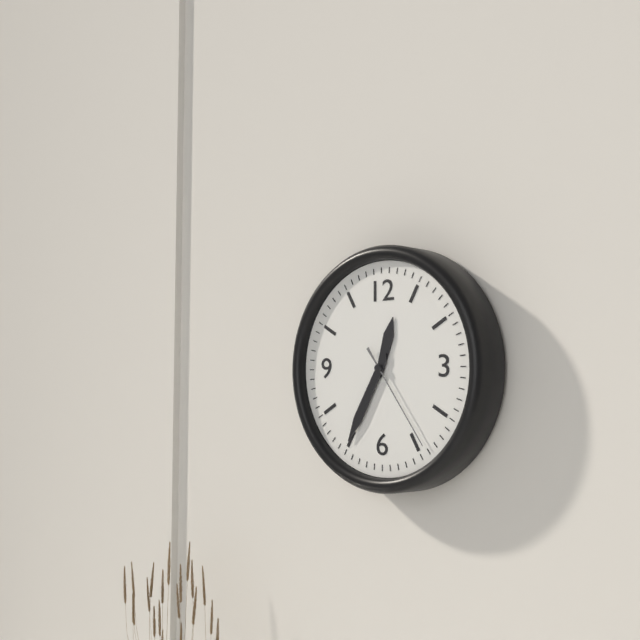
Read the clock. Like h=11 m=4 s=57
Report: h=12 m=35 s=24
